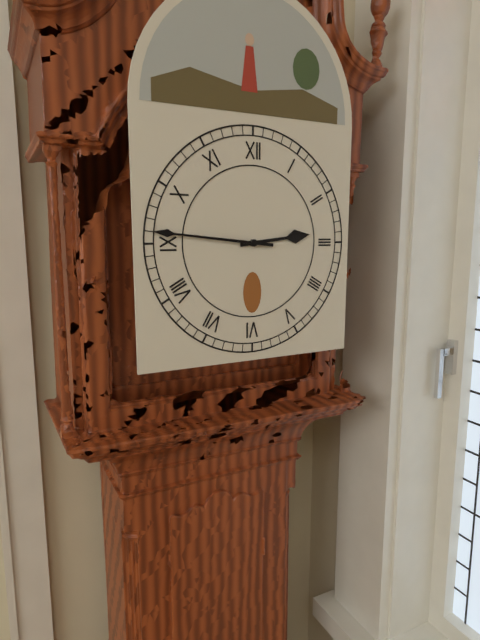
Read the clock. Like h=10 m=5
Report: h=2 m=46
